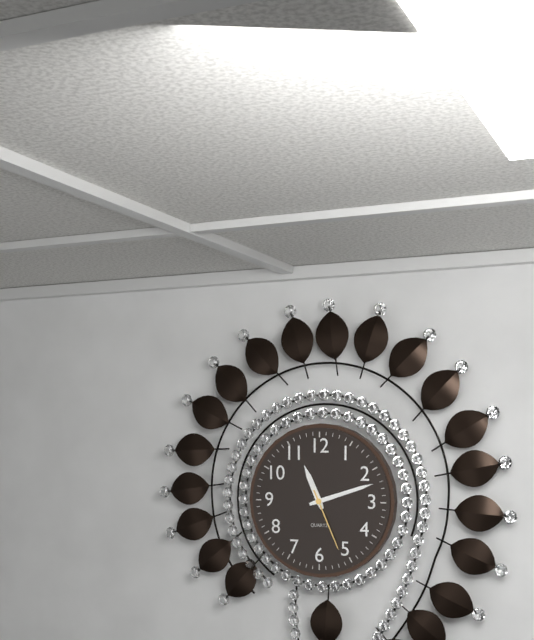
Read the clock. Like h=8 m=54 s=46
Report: h=11 m=12 s=26
